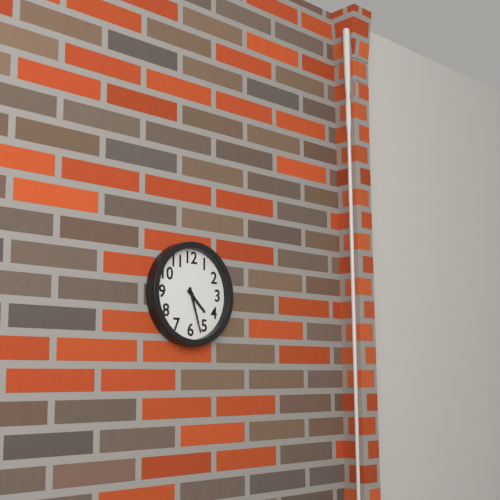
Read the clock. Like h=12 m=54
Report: h=4 m=27
